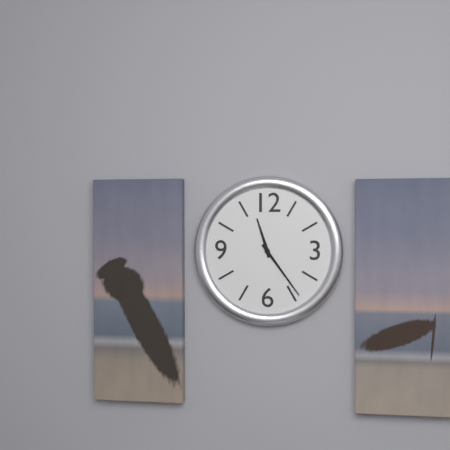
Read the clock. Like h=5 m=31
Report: h=11 m=24
